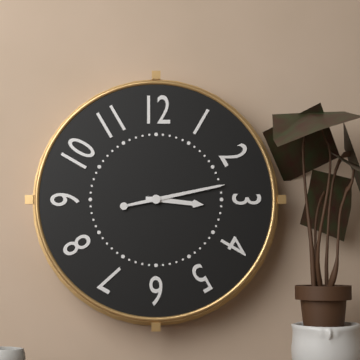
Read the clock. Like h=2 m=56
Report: h=3 m=13
